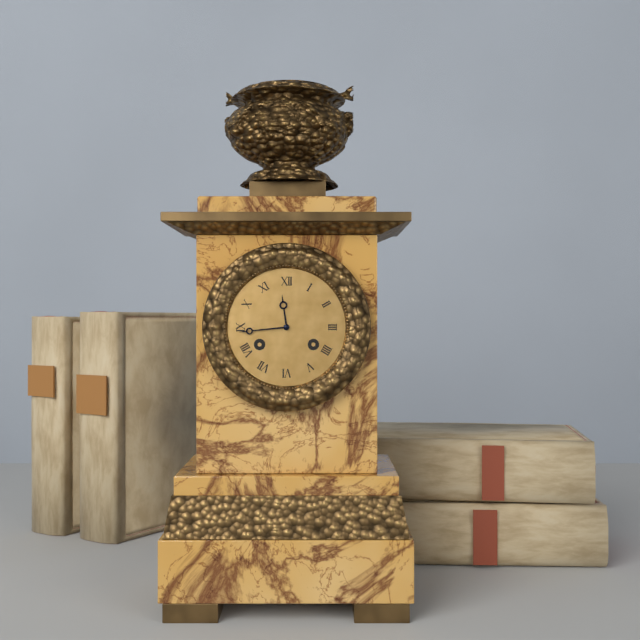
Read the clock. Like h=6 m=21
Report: h=11 m=44
